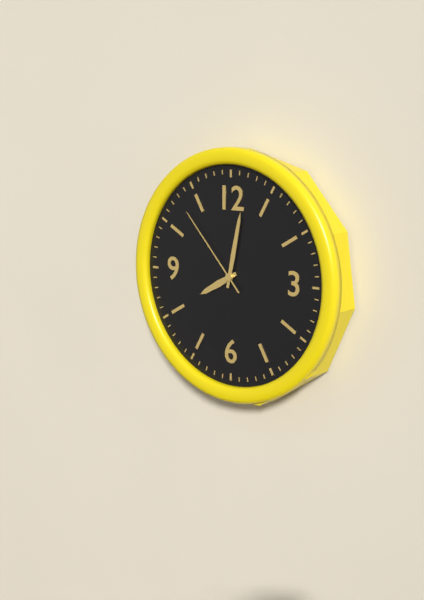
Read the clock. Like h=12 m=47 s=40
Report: h=8 m=2 s=53
